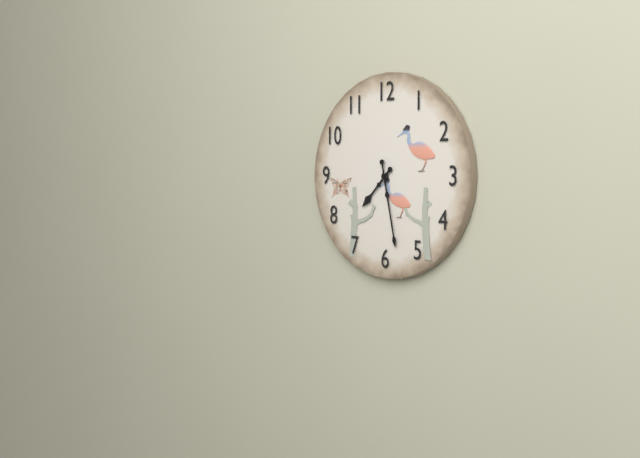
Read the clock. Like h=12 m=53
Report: h=7 m=28
